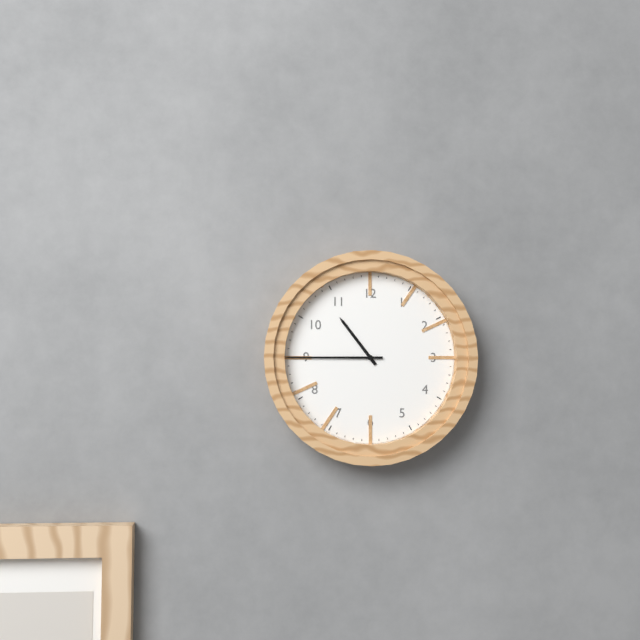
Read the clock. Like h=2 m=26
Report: h=10 m=45
